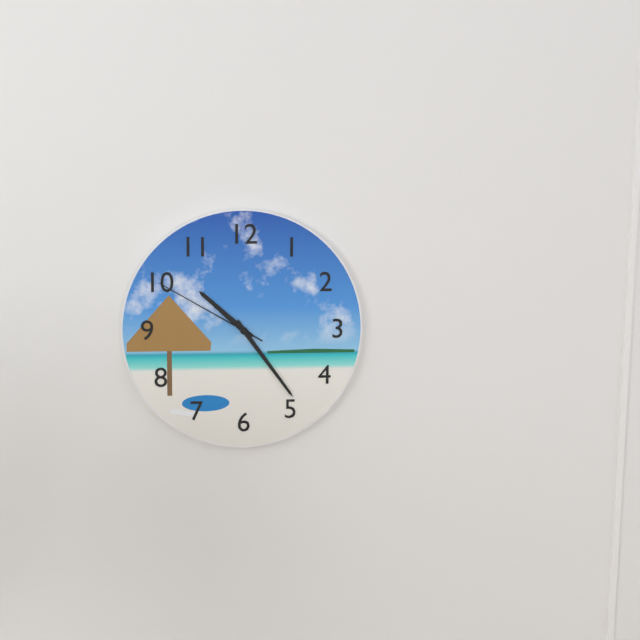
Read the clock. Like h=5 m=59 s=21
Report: h=10 m=24 s=50
